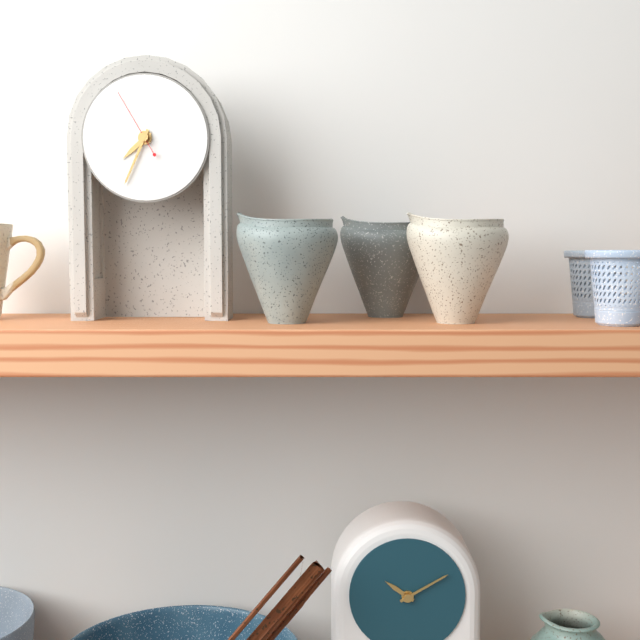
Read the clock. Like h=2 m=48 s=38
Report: h=7 m=34 s=55
